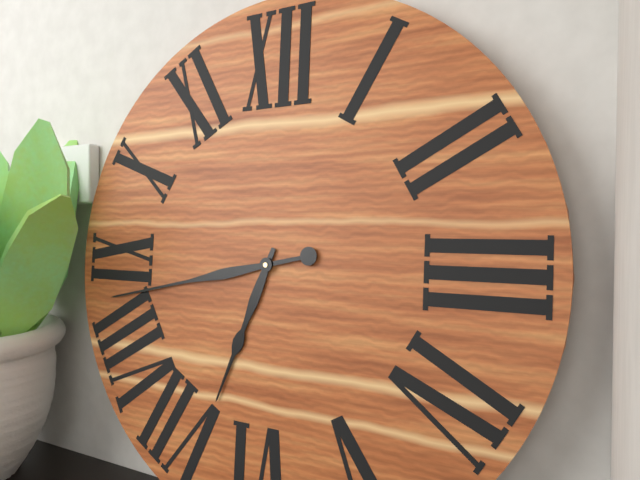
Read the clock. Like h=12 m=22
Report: h=6 m=43
